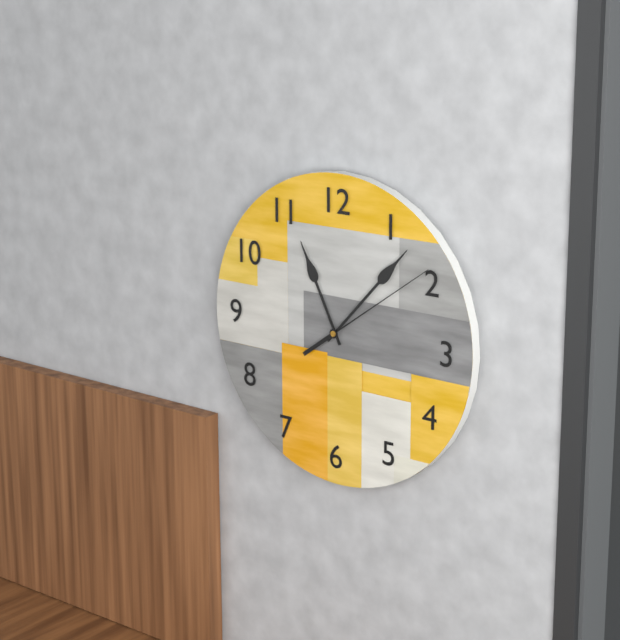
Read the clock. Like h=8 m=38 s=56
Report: h=11 m=7 s=9
